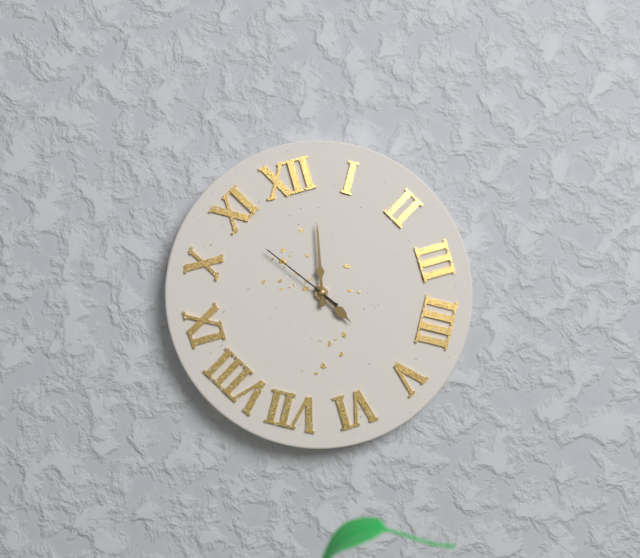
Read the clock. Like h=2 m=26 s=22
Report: h=5 m=2 s=54
